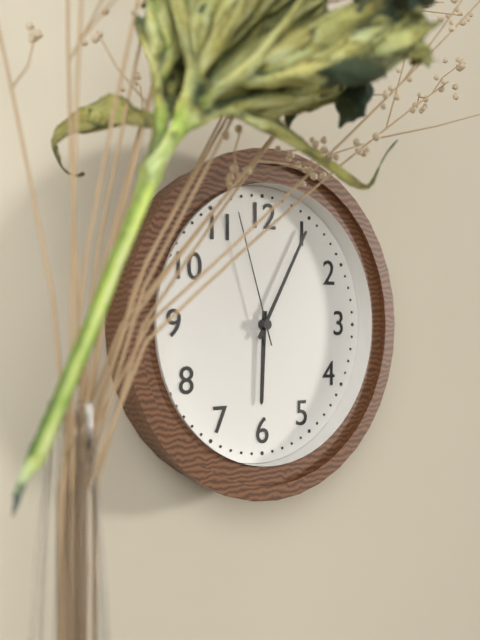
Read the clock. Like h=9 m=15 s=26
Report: h=6 m=5 s=57
